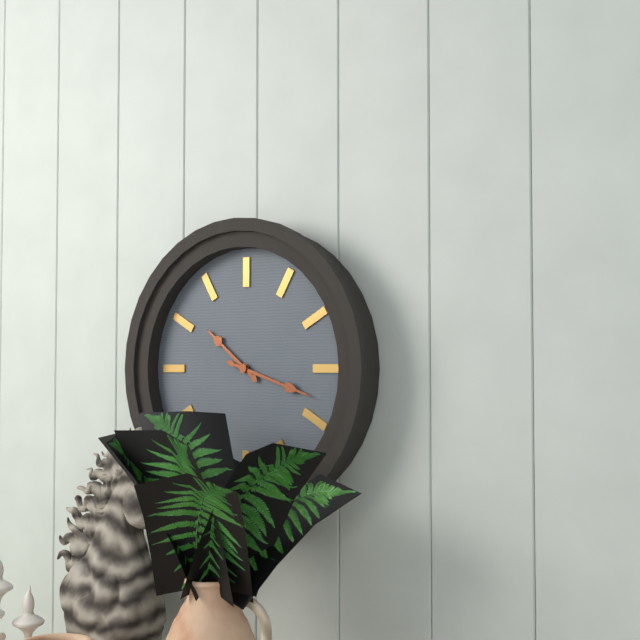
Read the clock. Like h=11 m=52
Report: h=10 m=18
